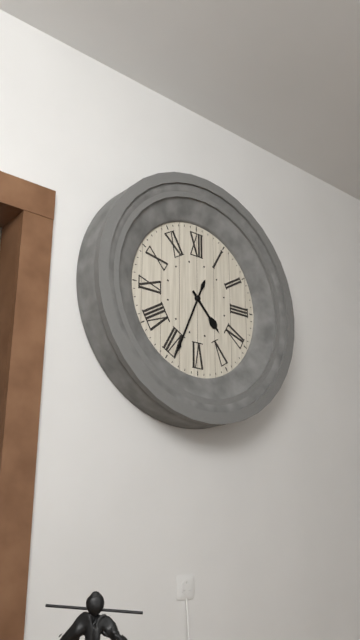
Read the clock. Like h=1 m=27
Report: h=4 m=34
